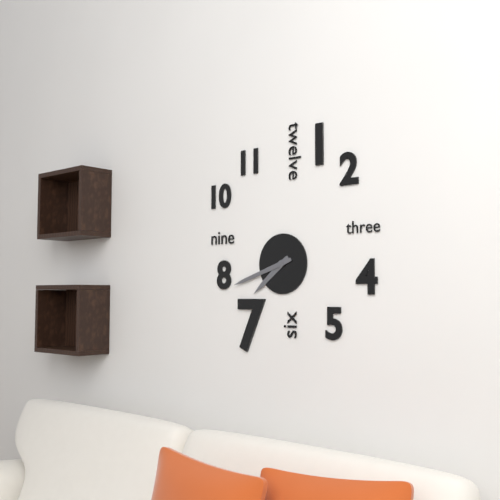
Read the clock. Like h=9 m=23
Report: h=7 m=42
